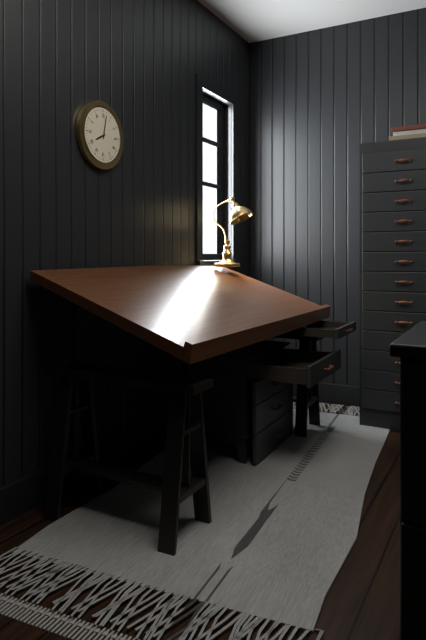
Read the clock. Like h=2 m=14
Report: h=8 m=2
